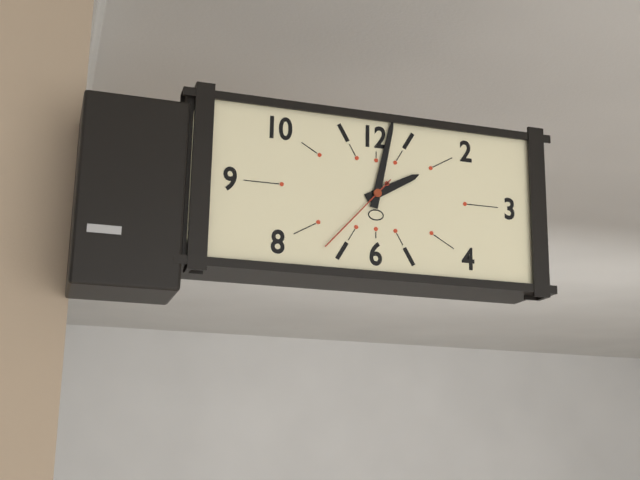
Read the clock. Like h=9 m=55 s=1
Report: h=2 m=2 s=37
